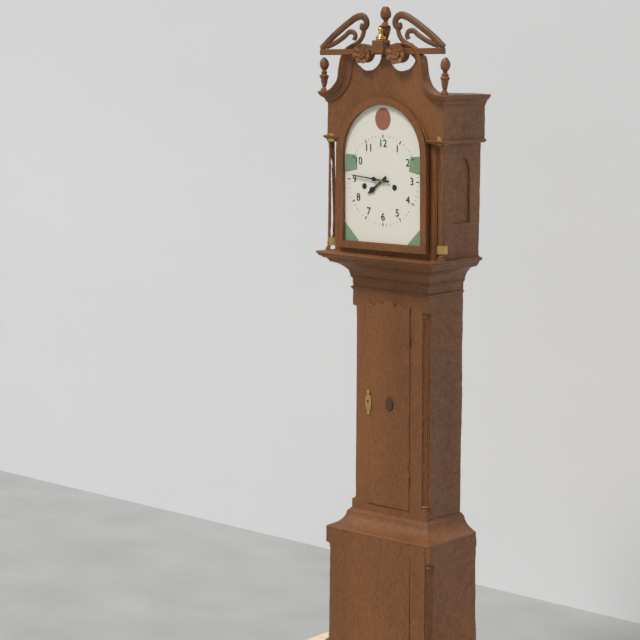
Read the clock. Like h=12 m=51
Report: h=7 m=46
